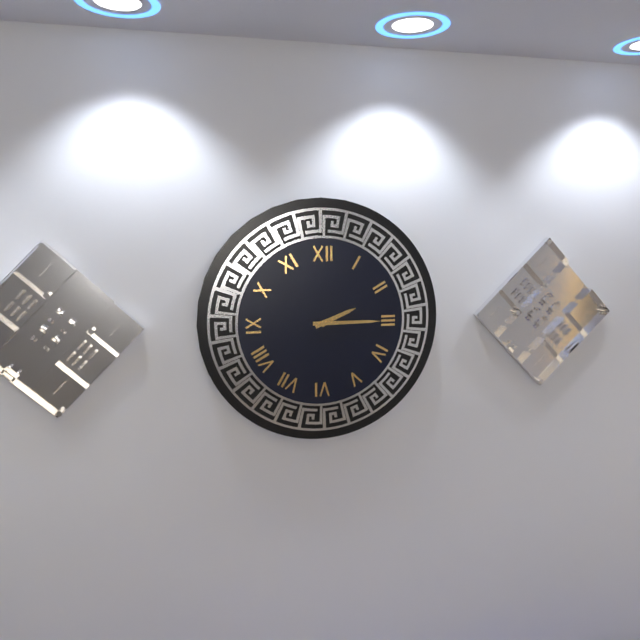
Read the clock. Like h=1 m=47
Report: h=2 m=15
